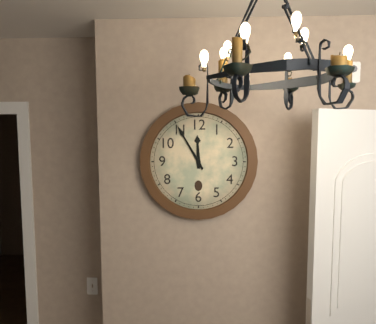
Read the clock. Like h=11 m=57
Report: h=11 m=55
